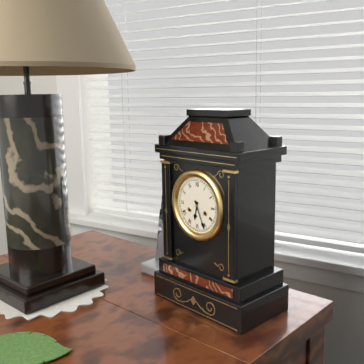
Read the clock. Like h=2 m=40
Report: h=6 m=26
